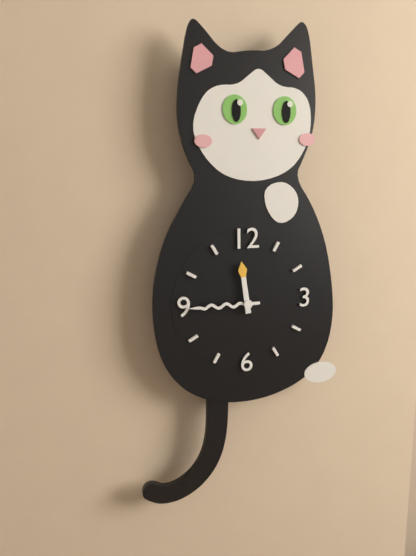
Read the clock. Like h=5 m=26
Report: h=11 m=45
